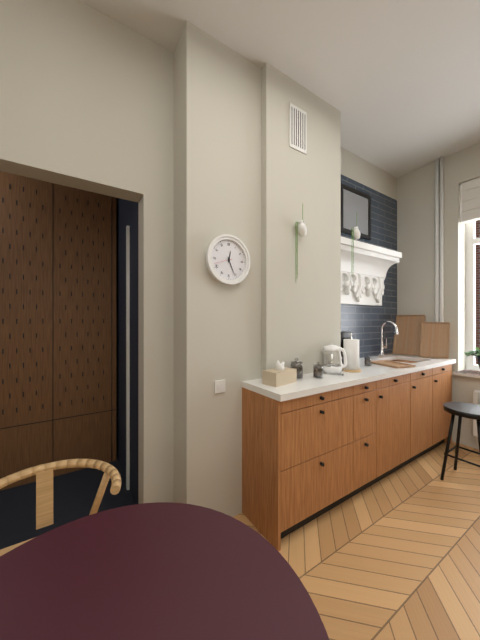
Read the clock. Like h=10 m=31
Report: h=12 m=26
